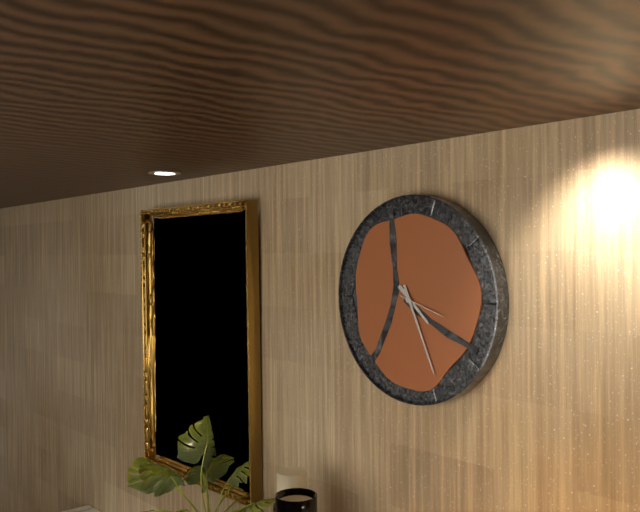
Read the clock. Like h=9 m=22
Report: h=4 m=26
